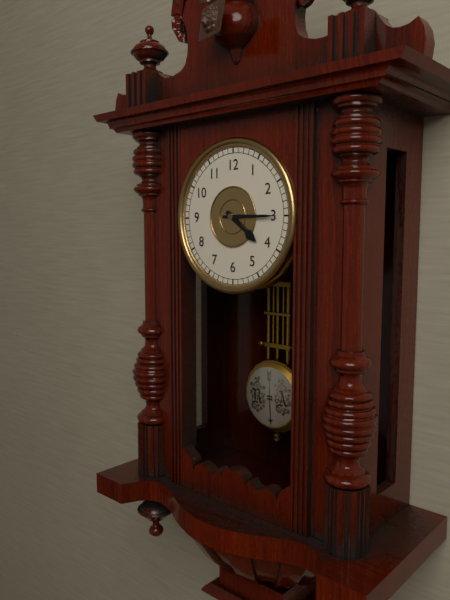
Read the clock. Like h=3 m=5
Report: h=4 m=15
